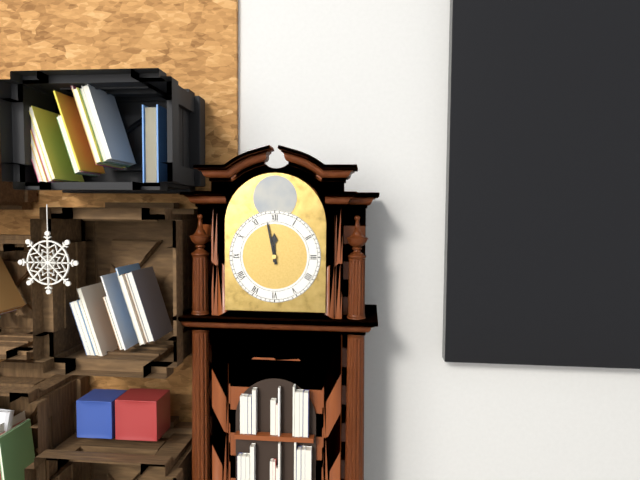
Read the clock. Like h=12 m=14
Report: h=11 m=58
